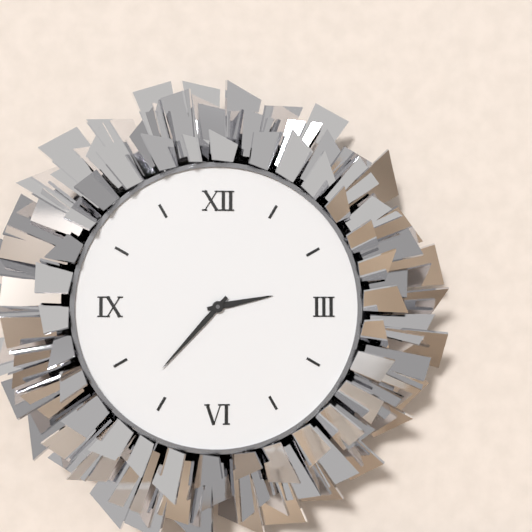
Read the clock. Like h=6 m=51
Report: h=2 m=37
